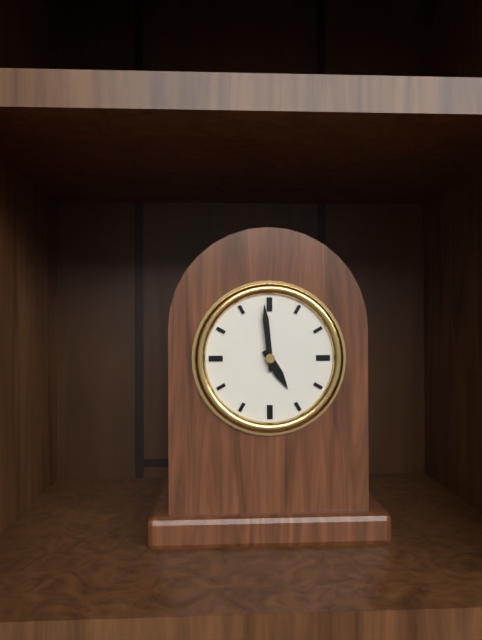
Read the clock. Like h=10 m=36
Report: h=4 m=59
